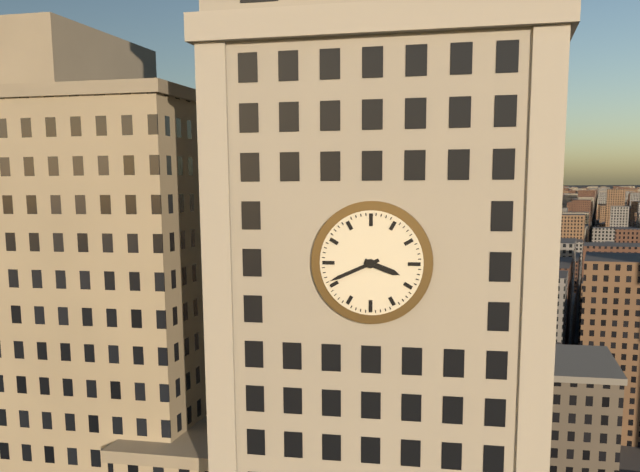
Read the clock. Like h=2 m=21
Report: h=3 m=41
